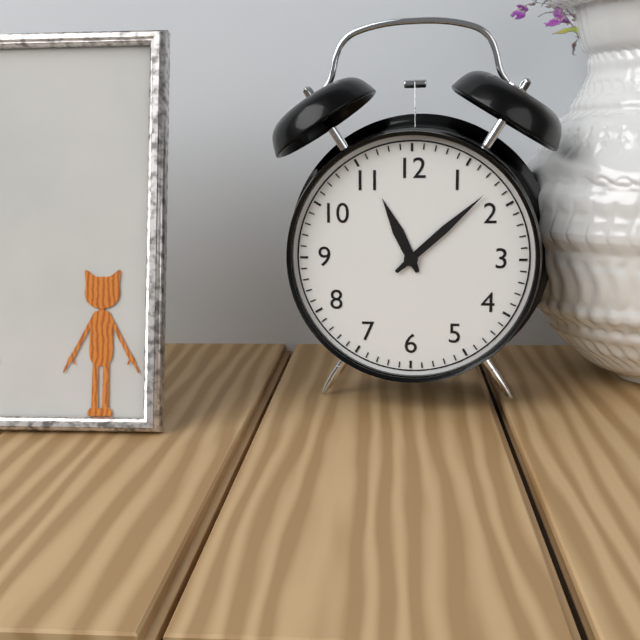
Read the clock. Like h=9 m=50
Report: h=11 m=8
